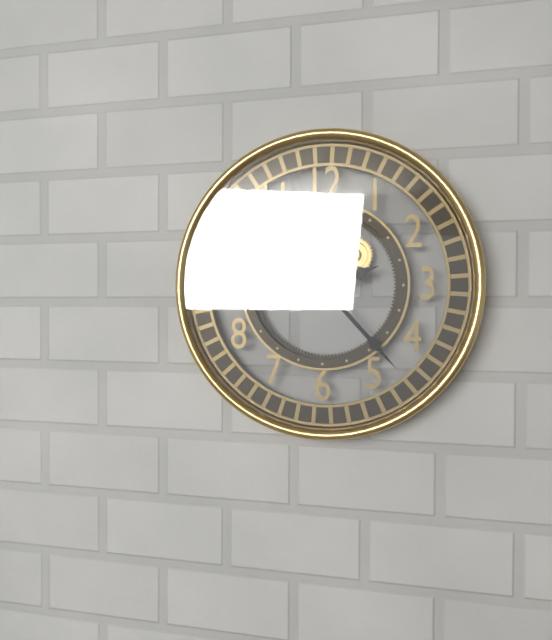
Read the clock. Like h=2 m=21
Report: h=2 m=23
